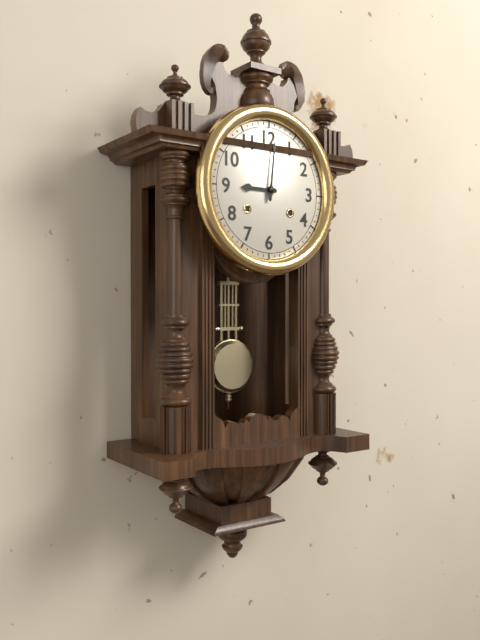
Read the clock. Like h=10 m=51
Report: h=9 m=1
